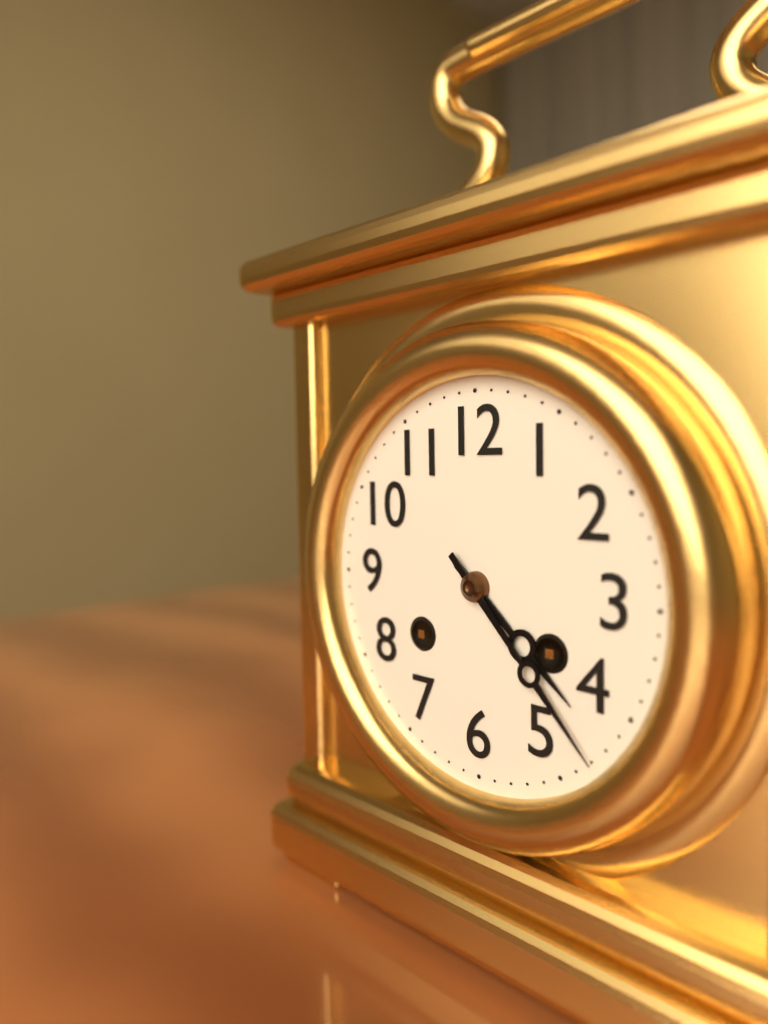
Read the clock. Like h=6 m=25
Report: h=4 m=23
